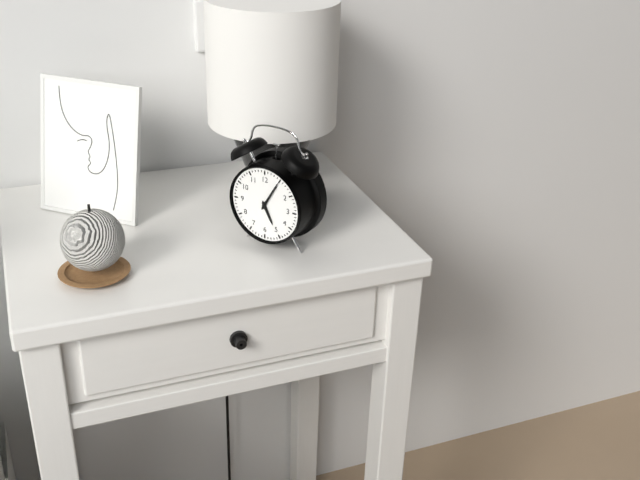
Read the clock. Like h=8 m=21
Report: h=5 m=5
